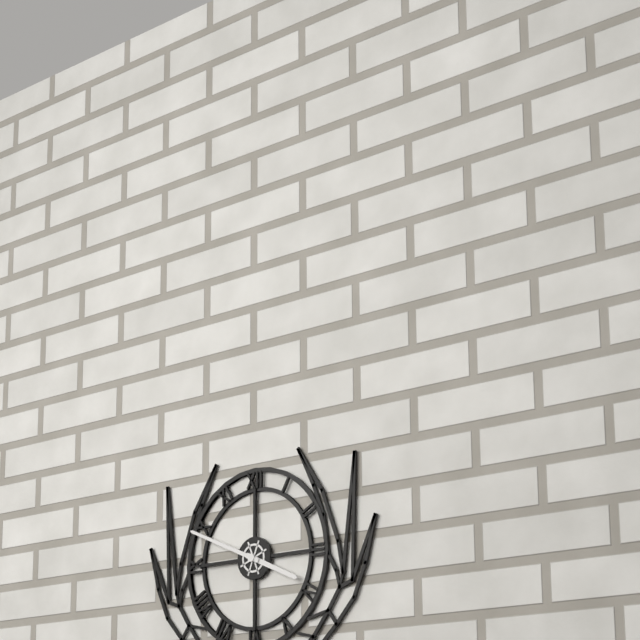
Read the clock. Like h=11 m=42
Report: h=3 m=49
